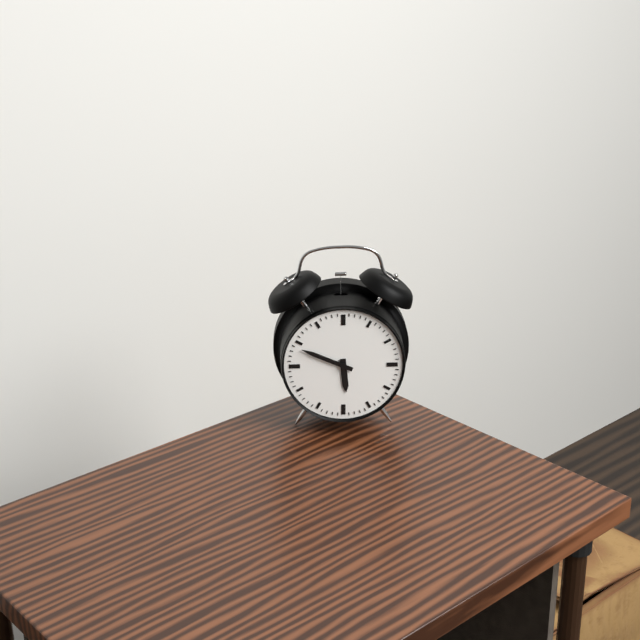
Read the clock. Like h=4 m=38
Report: h=5 m=49
